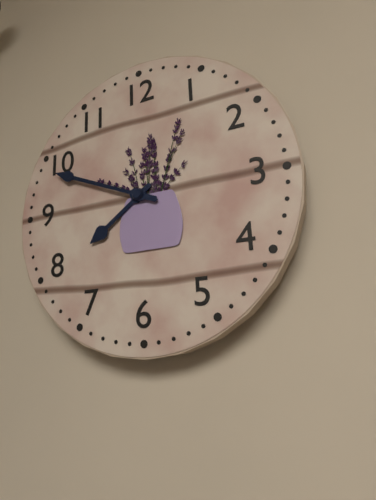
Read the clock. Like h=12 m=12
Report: h=7 m=49
